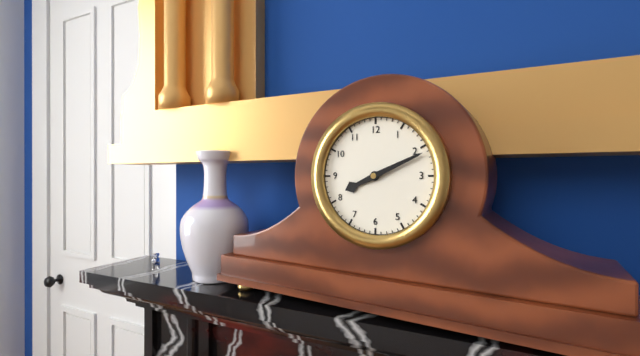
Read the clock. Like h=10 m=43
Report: h=8 m=11
